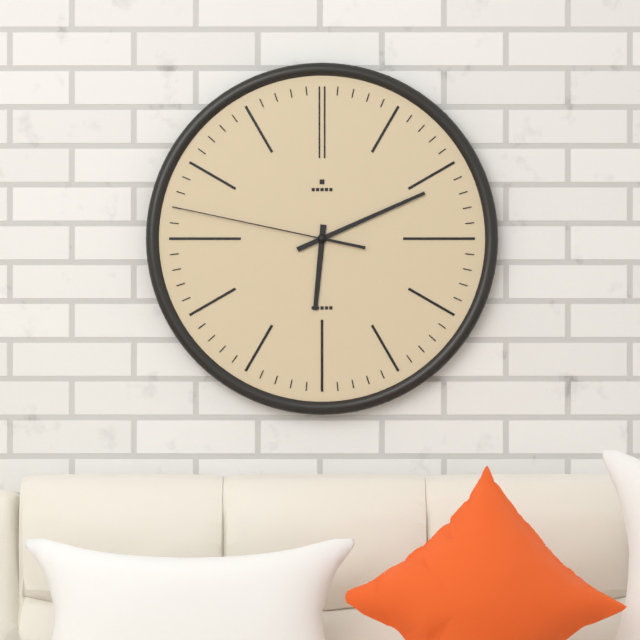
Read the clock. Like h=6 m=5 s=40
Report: h=6 m=11 s=47
